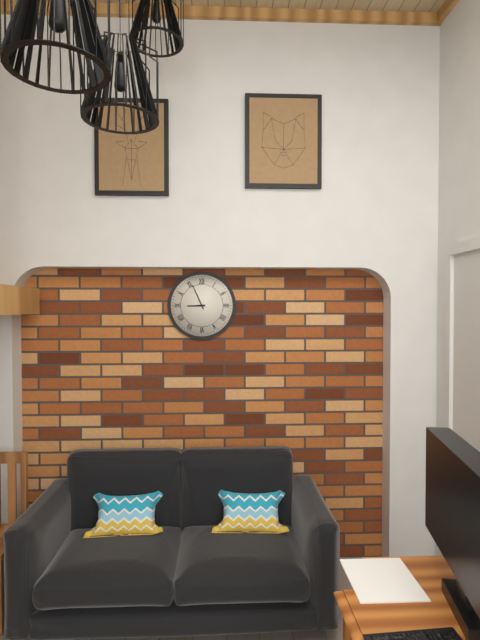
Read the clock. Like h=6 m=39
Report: h=8 m=56
